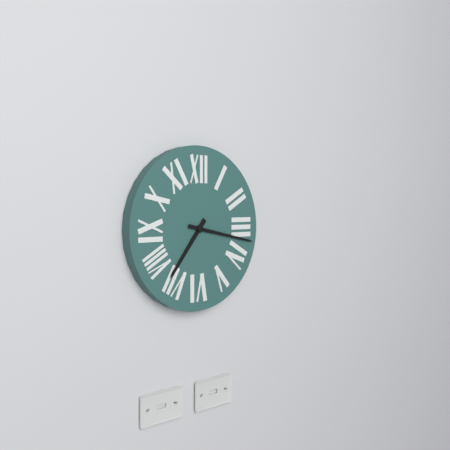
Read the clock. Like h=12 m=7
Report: h=7 m=17
